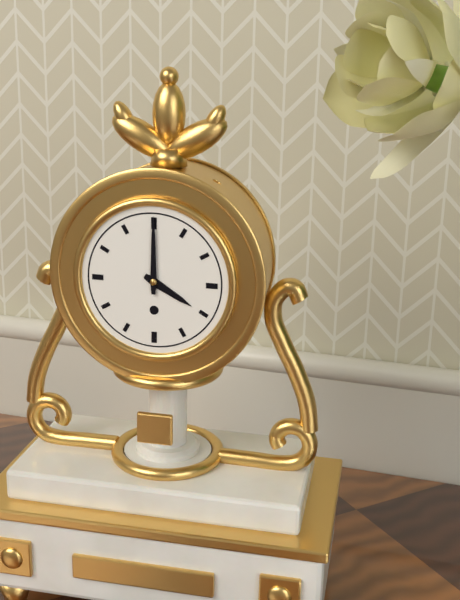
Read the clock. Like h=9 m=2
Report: h=4 m=0
